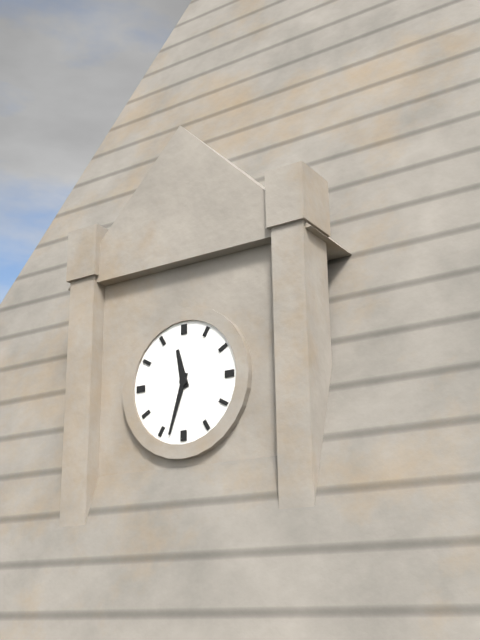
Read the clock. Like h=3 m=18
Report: h=11 m=33
